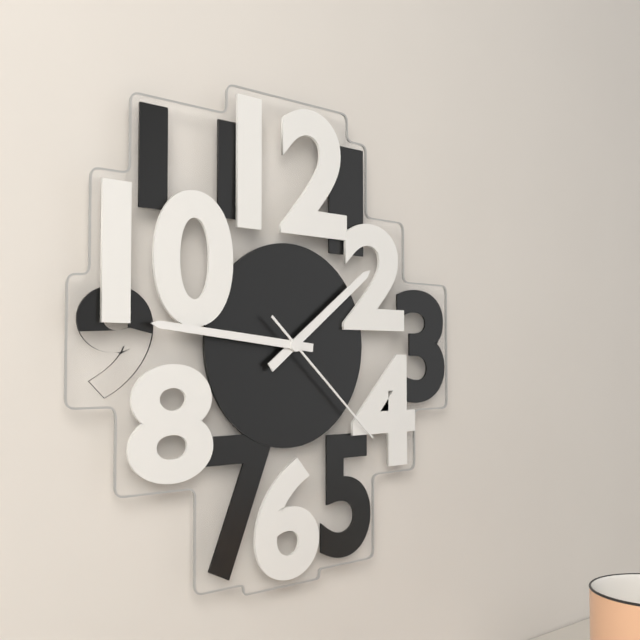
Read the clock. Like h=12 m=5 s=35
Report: h=1 m=46 s=22
